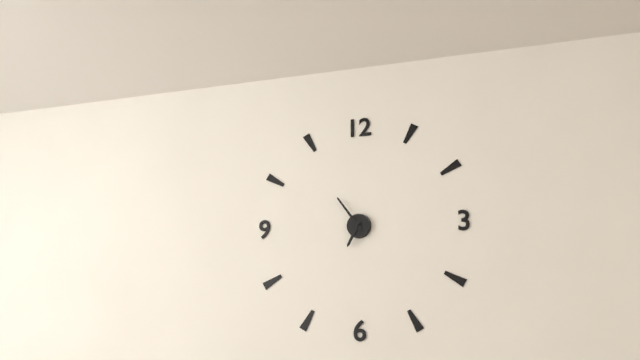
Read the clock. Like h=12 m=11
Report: h=6 m=54
